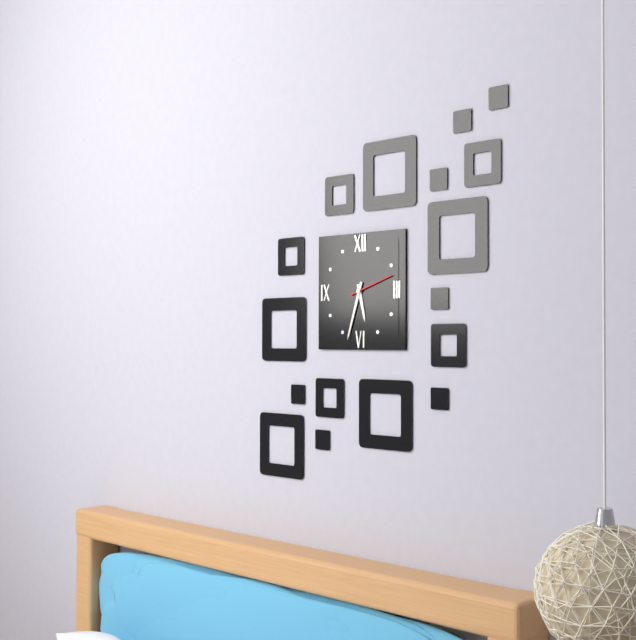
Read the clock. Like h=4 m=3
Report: h=5 m=33
